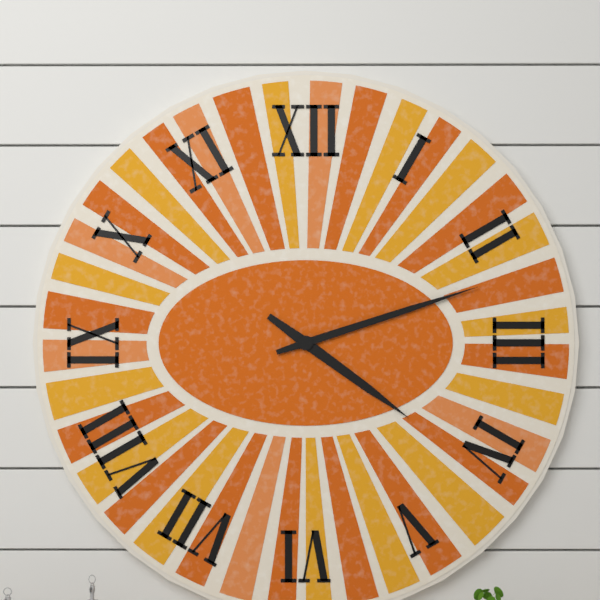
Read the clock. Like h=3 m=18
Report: h=4 m=12
